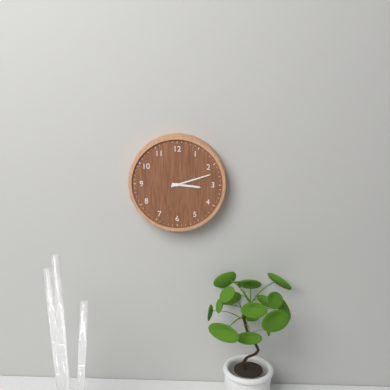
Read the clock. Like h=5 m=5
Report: h=3 m=12
